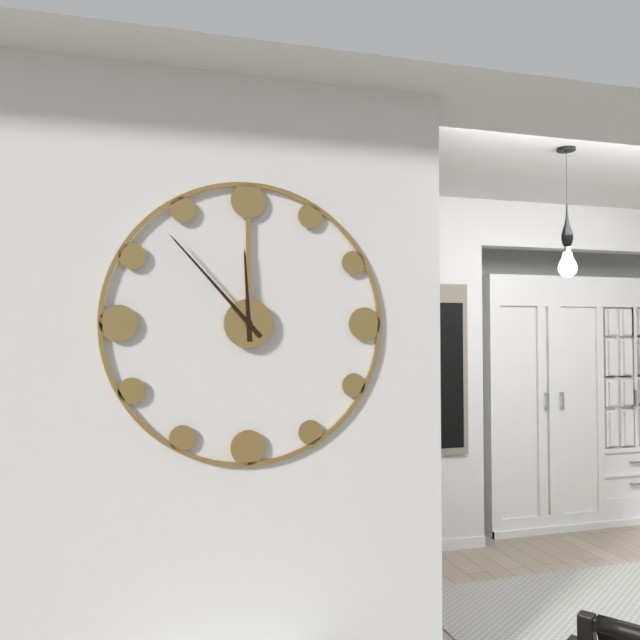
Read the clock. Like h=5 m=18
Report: h=11 m=53
